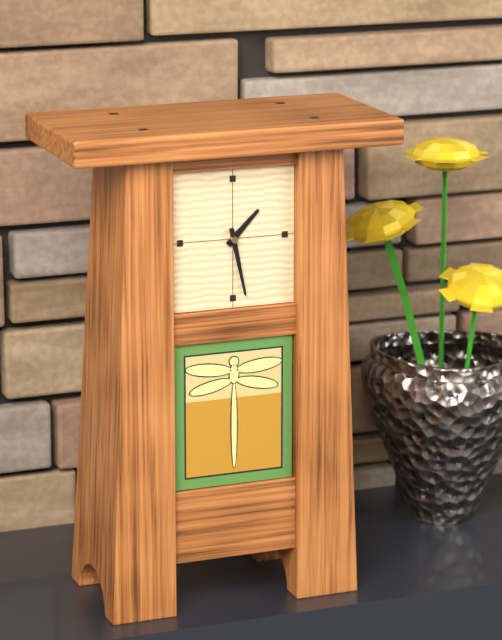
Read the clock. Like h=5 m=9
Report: h=1 m=28
